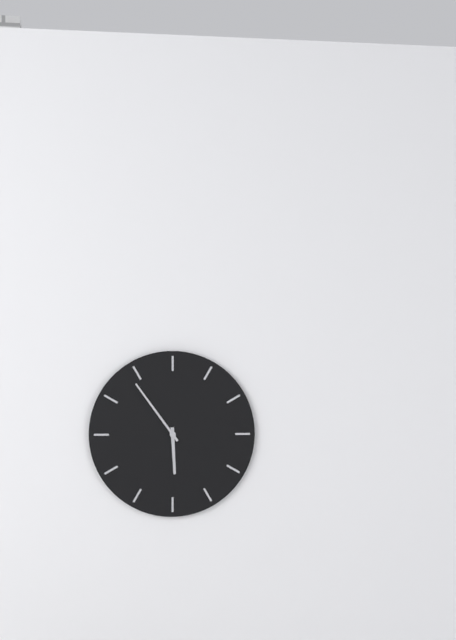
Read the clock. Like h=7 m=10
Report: h=5 m=54
